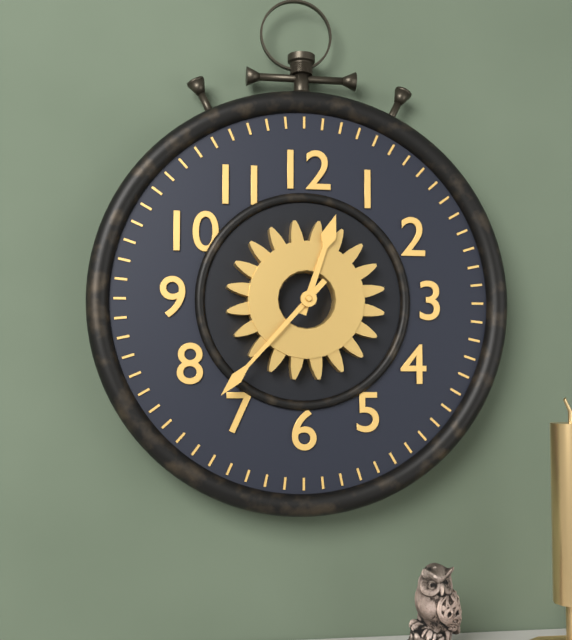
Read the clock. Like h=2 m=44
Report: h=12 m=37
